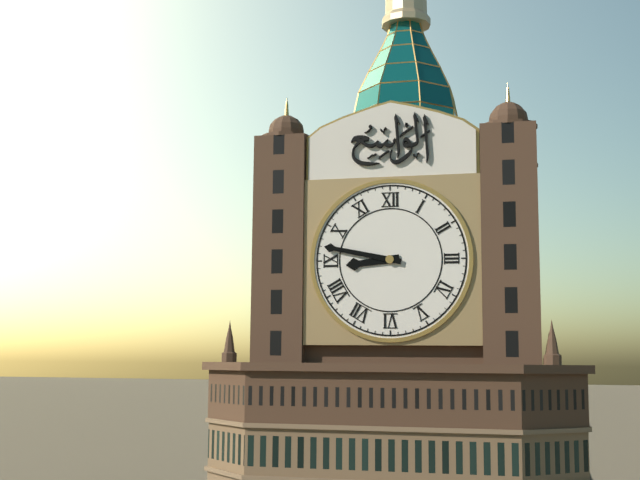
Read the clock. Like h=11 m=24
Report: h=8 m=47
